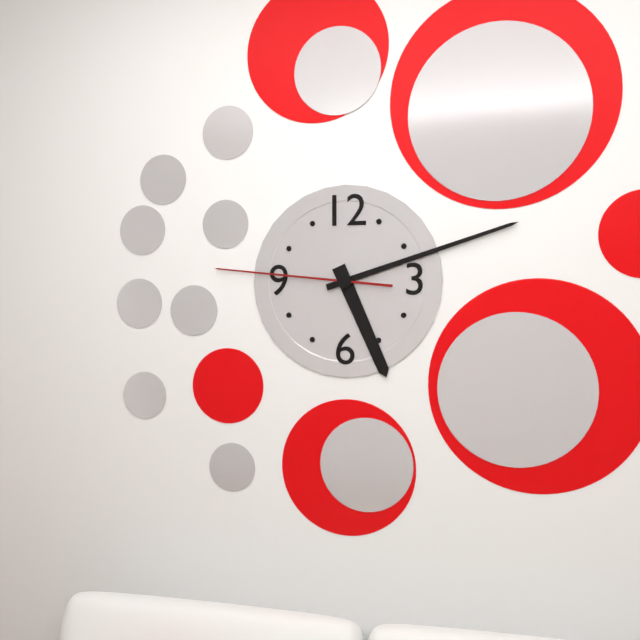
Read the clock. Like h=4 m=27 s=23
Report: h=5 m=12 s=46
